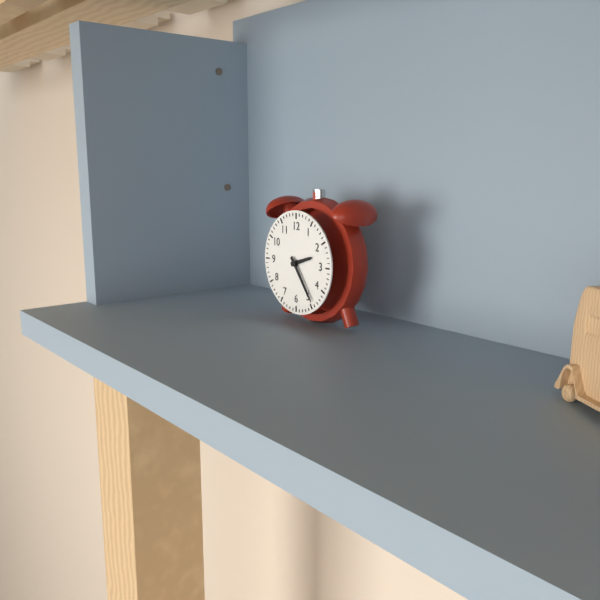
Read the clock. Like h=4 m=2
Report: h=2 m=24
